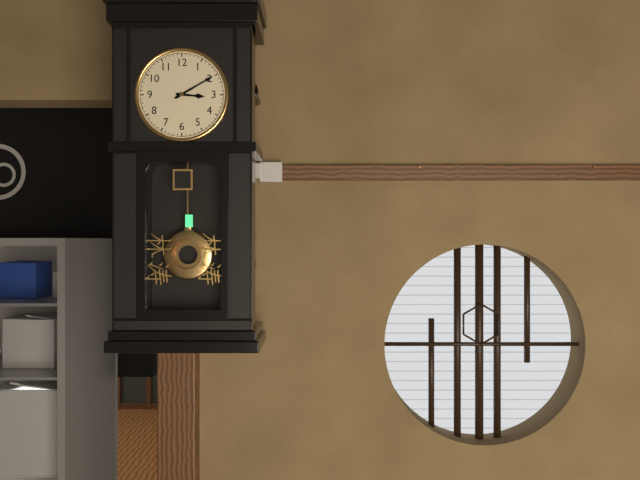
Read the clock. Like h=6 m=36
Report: h=3 m=10
